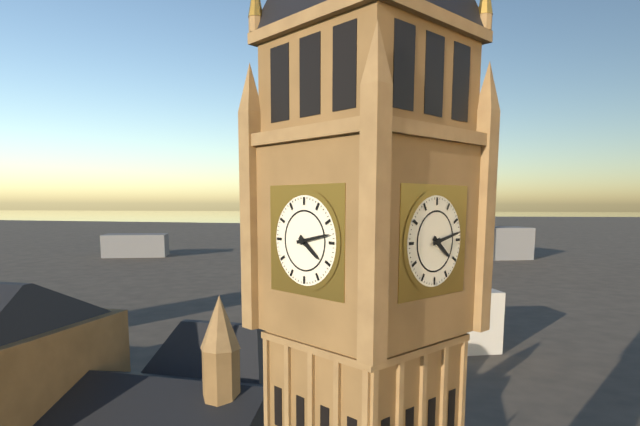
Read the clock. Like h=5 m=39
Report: h=4 m=13
